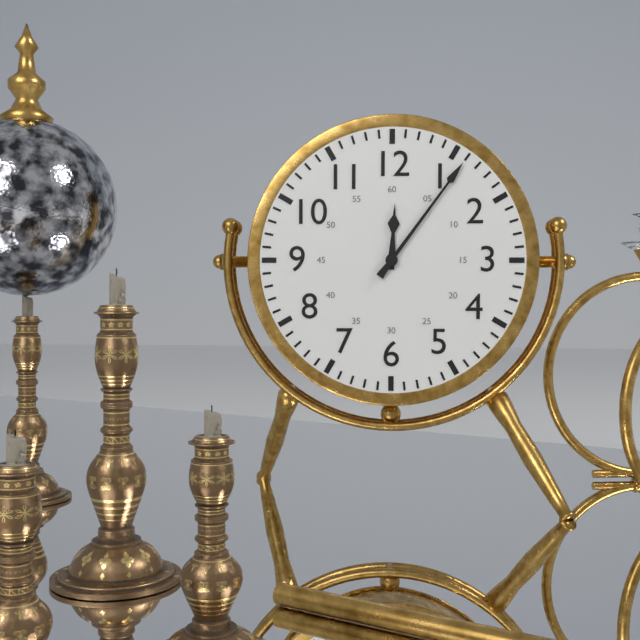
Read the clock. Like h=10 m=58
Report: h=12 m=6
